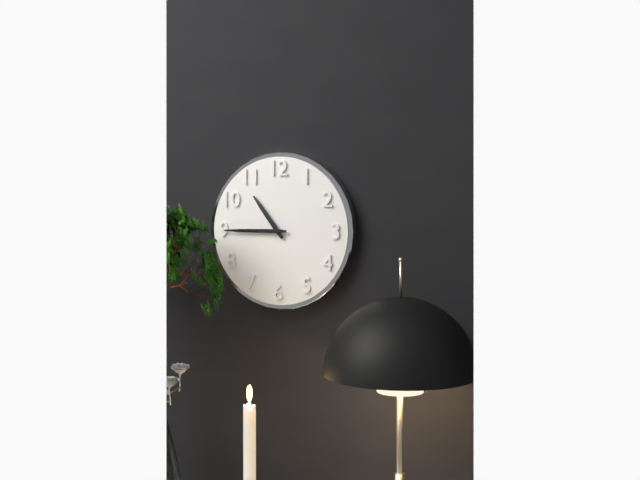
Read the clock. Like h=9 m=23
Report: h=10 m=45
